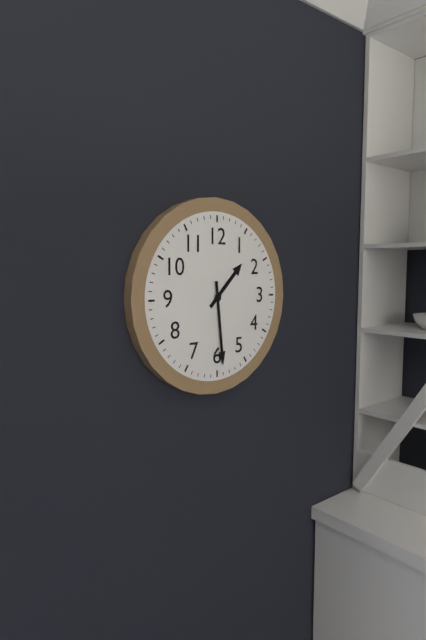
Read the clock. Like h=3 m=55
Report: h=1 m=29
